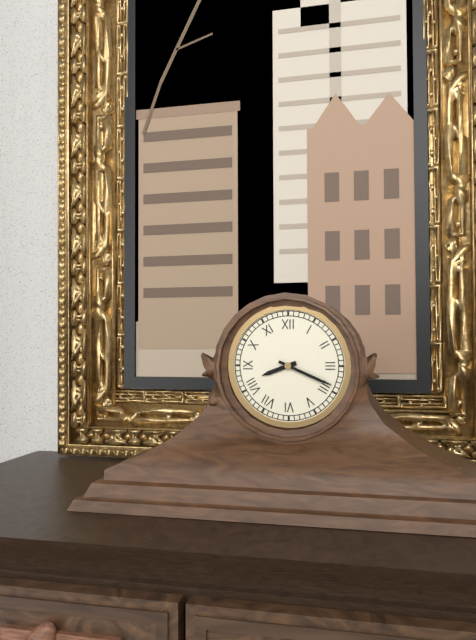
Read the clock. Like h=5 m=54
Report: h=8 m=19
